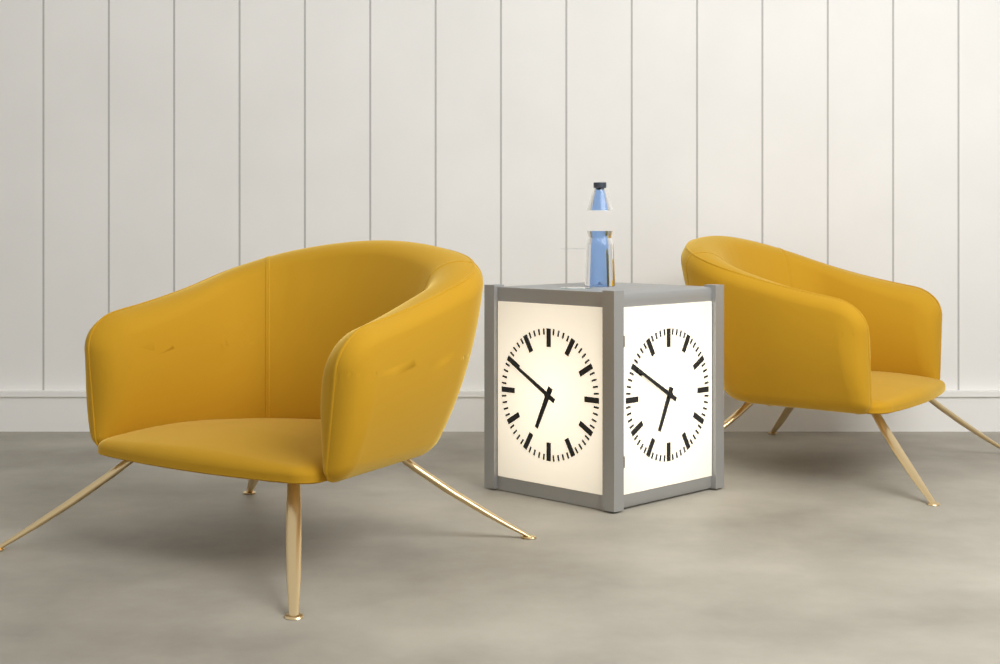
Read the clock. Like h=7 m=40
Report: h=6 m=50
